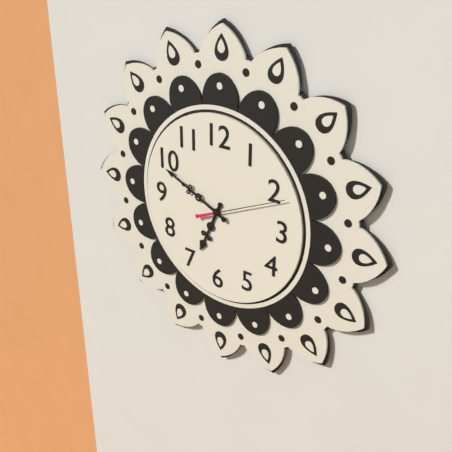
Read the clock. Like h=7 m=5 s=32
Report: h=6 m=49 s=11
